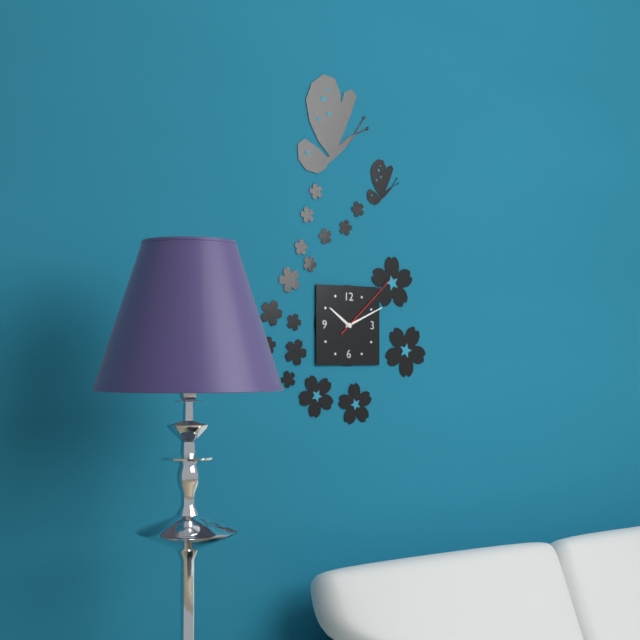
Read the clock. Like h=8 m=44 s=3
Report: h=10 m=11 s=8
